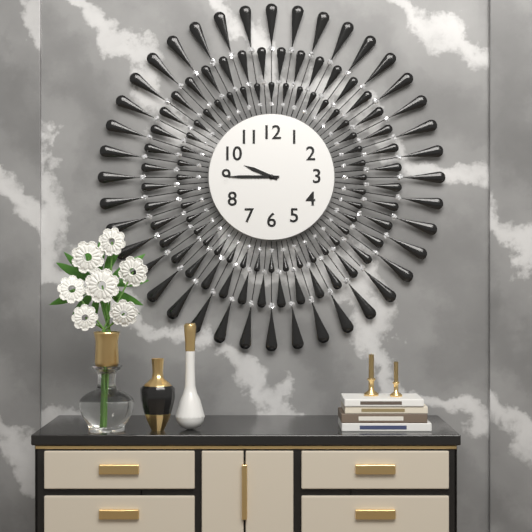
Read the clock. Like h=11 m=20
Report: h=9 m=45
